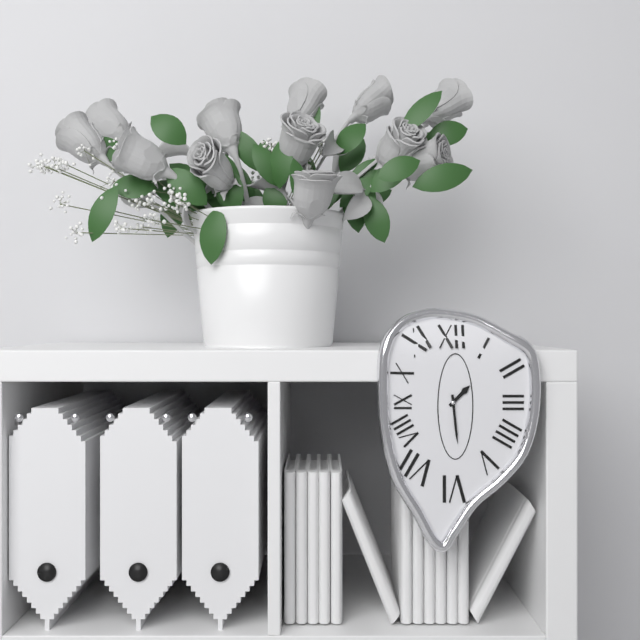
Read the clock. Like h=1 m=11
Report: h=1 m=29
